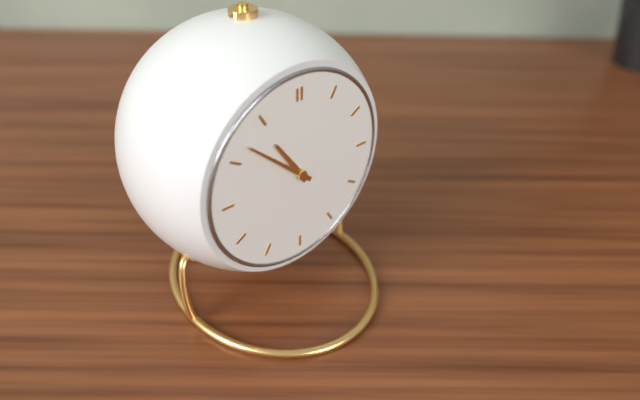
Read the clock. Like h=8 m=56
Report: h=10 m=52
